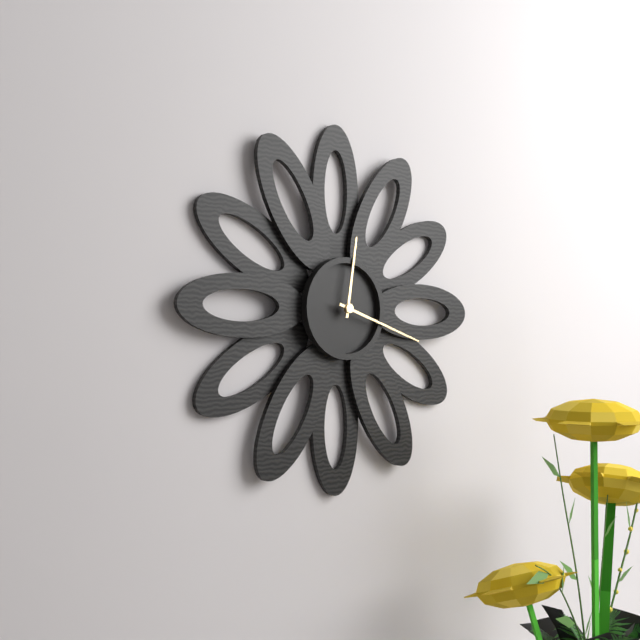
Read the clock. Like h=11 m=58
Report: h=12 m=18
